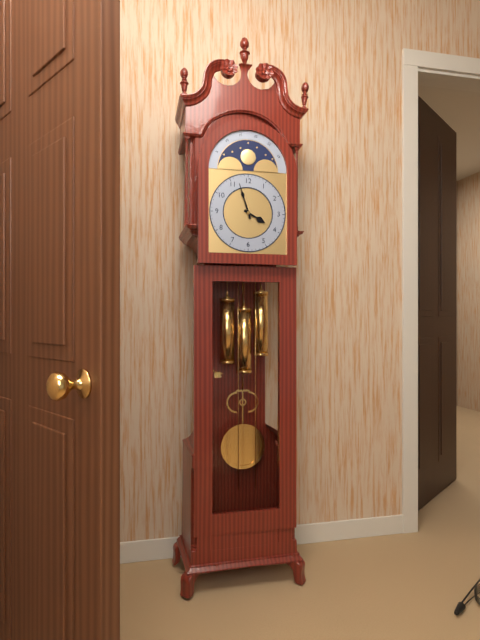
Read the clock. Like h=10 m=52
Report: h=3 m=57
